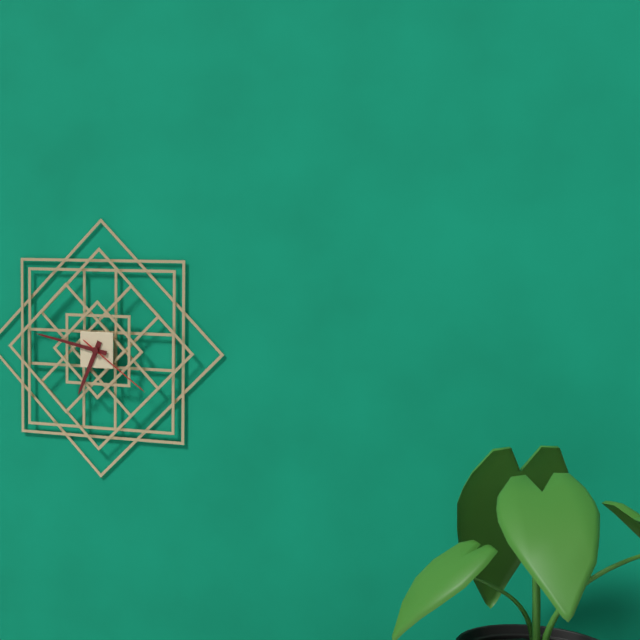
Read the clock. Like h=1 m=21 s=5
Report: h=6 m=47 s=21
